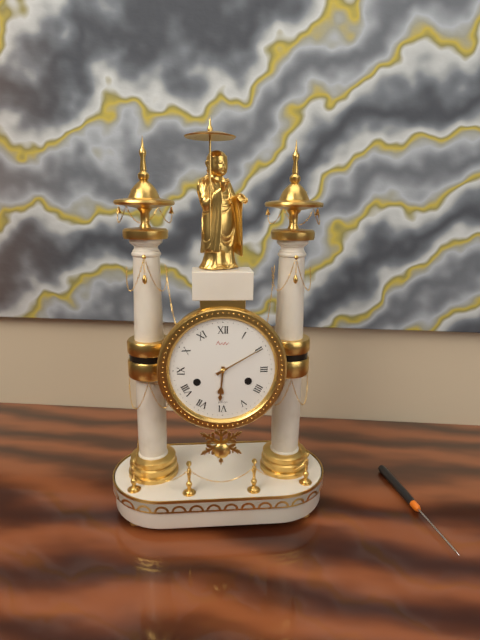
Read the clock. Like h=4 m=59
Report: h=6 m=10
